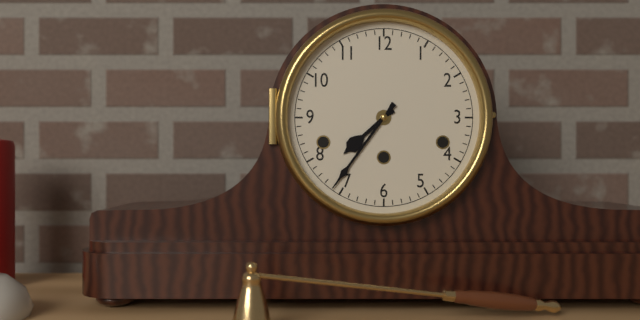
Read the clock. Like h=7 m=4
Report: h=7 m=36
